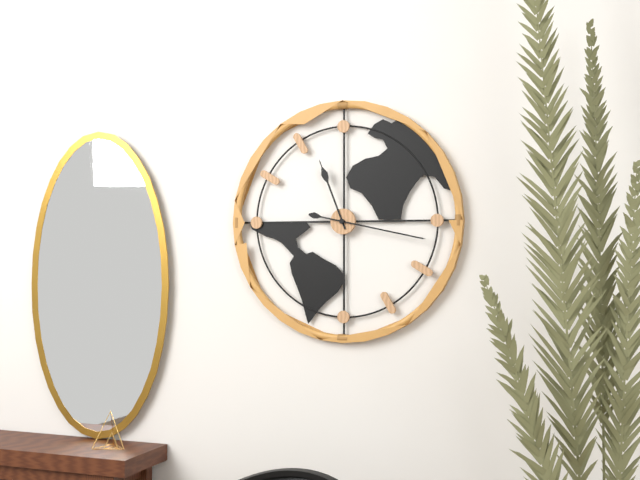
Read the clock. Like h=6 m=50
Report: h=11 m=17
